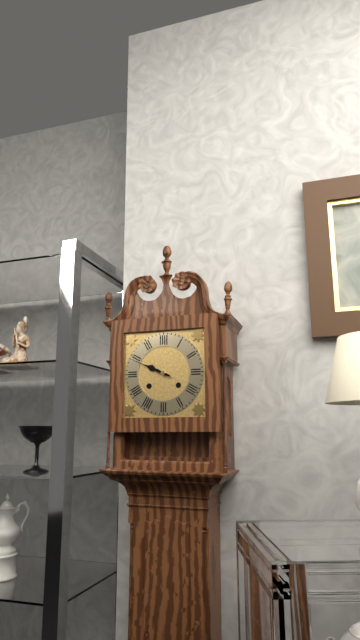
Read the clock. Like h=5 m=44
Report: h=9 m=49
